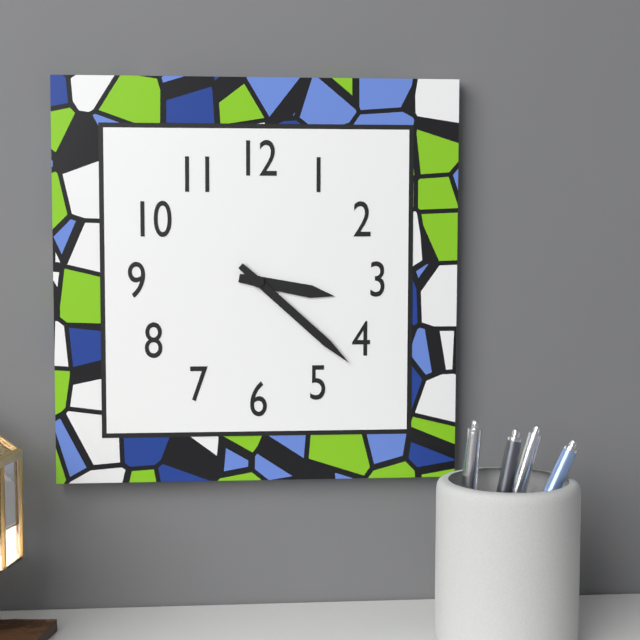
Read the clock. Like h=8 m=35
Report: h=3 m=22
